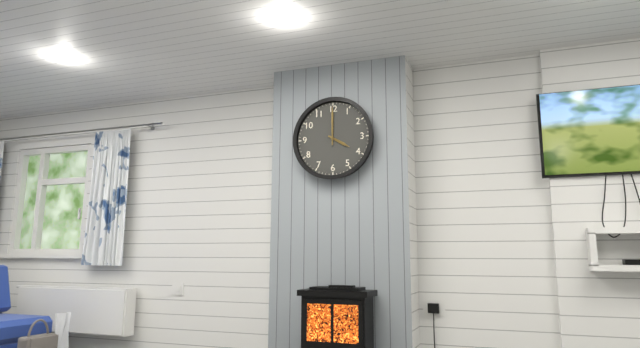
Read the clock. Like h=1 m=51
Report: h=4 m=0
